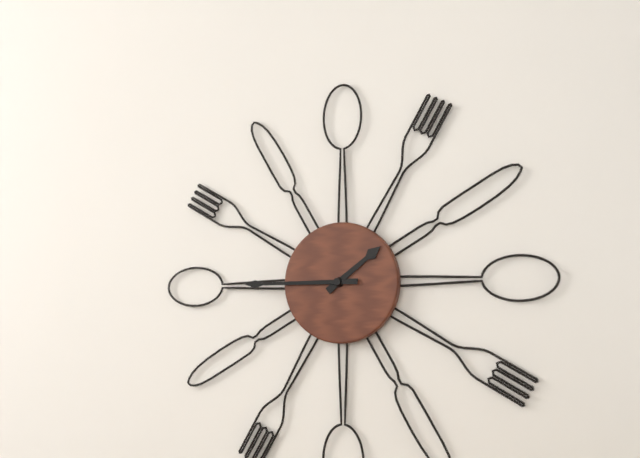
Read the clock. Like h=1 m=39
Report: h=1 m=45
